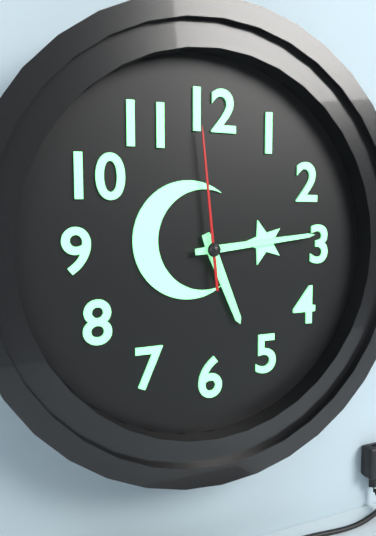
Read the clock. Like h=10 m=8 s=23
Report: h=5 m=14 s=59
